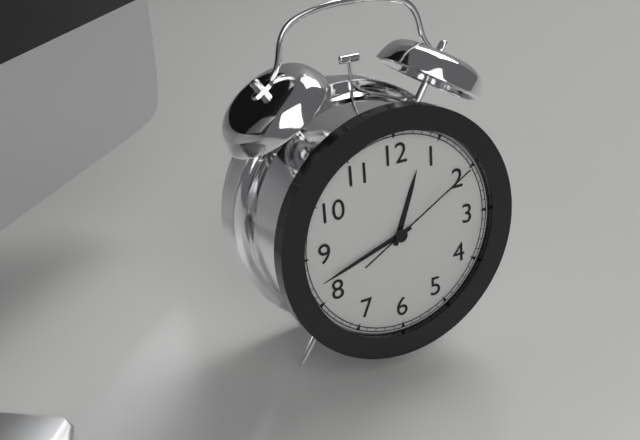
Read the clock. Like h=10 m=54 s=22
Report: h=12 m=42 s=10
